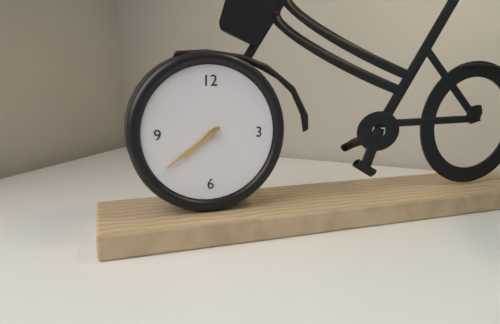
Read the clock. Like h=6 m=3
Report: h=7 m=39
